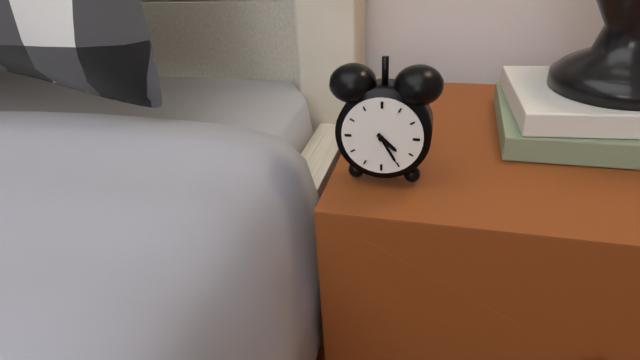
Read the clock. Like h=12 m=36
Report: h=4 m=25
